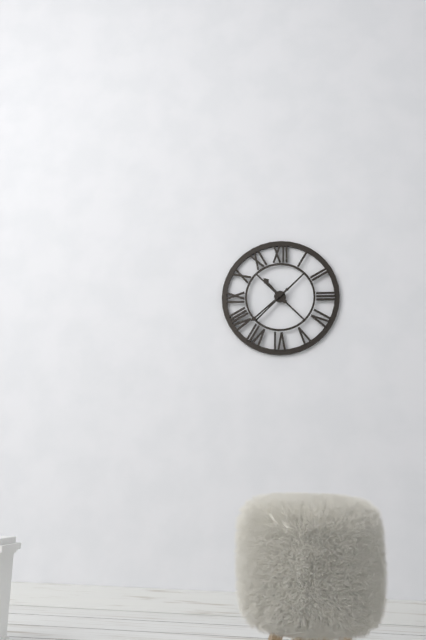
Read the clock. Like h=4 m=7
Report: h=10 m=38
